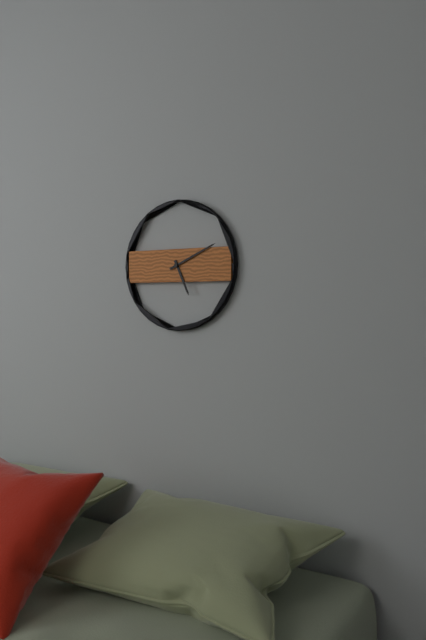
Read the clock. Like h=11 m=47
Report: h=5 m=11
